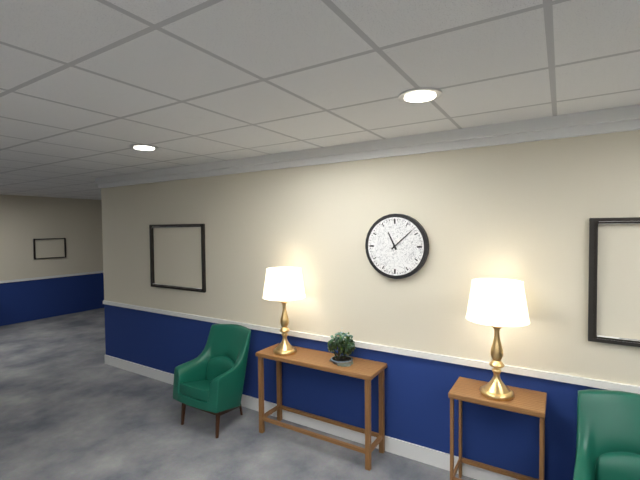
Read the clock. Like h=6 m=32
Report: h=11 m=8
